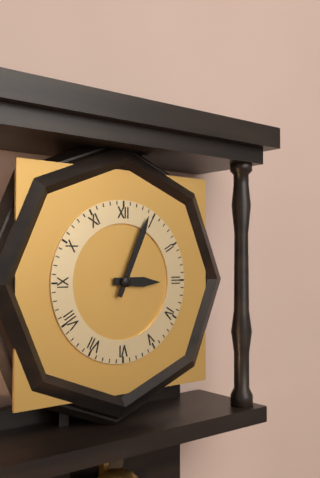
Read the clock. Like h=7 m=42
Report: h=3 m=4
